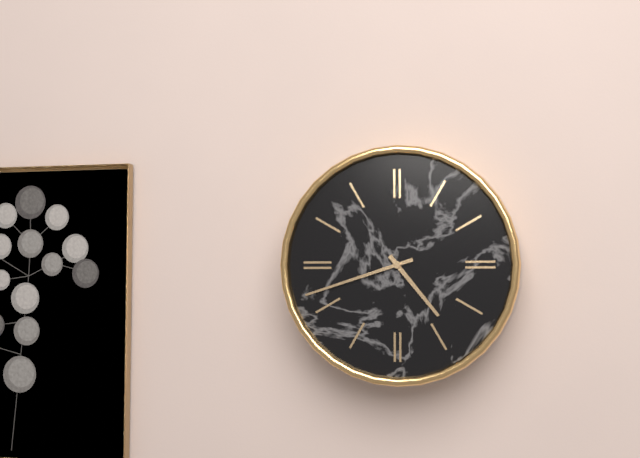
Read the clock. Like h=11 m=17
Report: h=4 m=42
